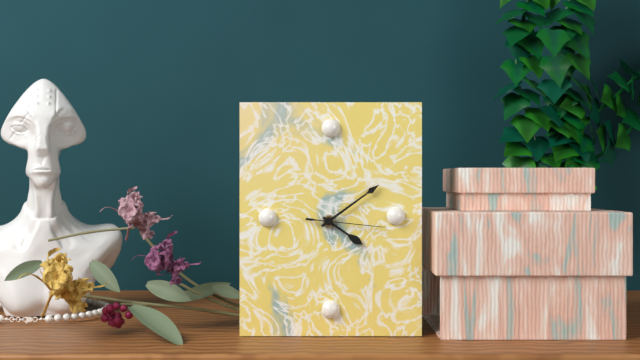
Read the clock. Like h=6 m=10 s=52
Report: h=4 m=9 s=16
